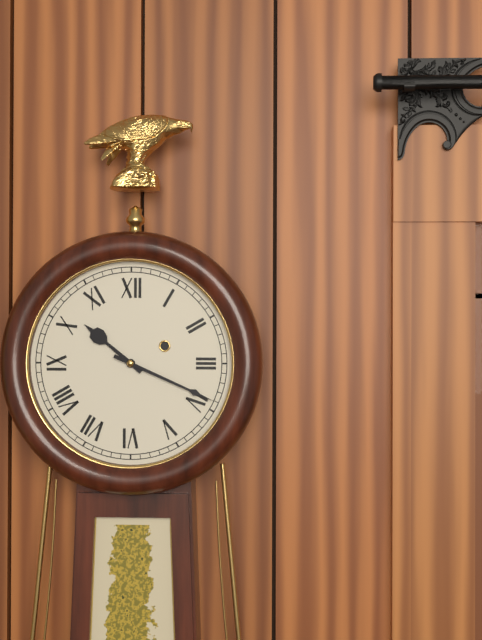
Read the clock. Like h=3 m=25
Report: h=10 m=19
